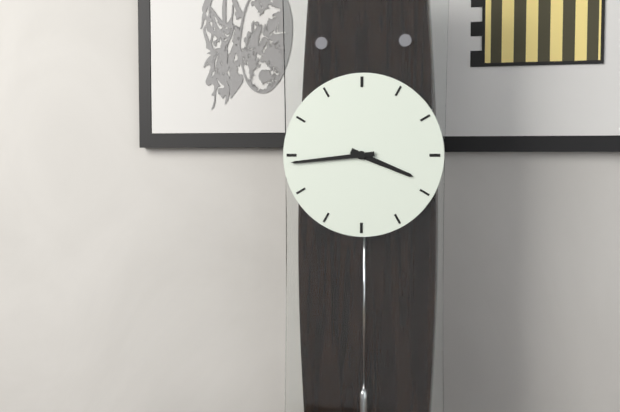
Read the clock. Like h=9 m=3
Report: h=3 m=44
